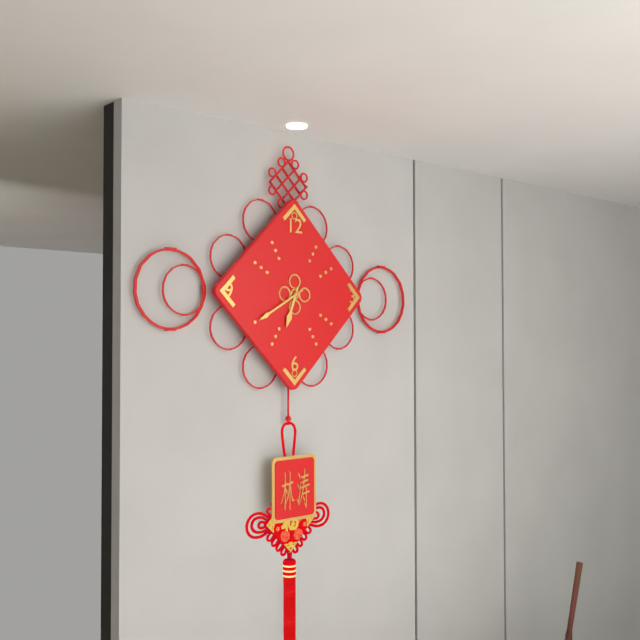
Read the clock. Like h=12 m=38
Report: h=6 m=40
